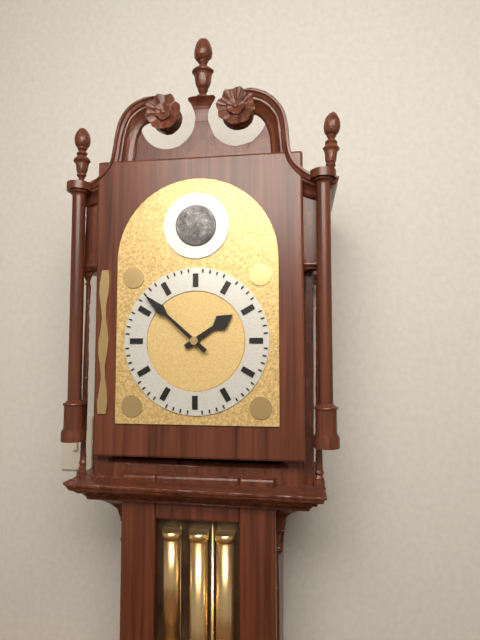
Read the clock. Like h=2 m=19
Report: h=1 m=52
